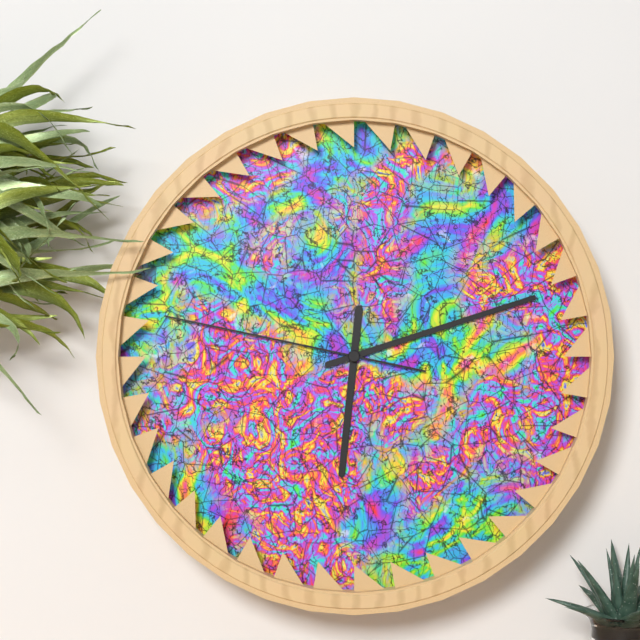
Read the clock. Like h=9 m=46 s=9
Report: h=6 m=12 s=47
